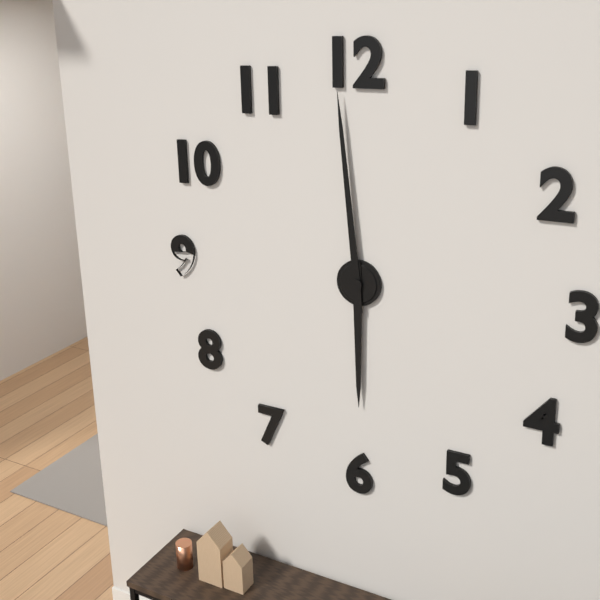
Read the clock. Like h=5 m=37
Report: h=5 m=59
